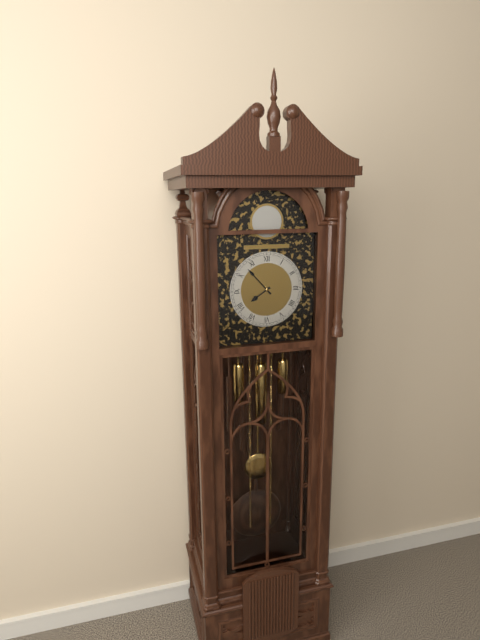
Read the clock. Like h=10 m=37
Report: h=7 m=53
